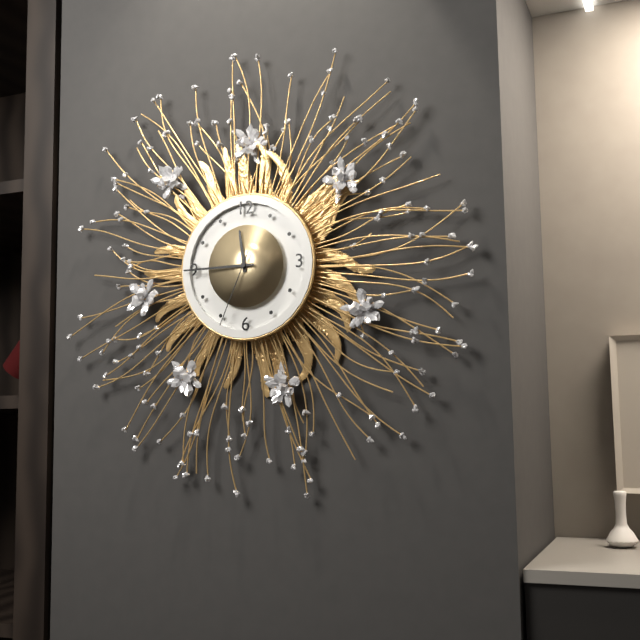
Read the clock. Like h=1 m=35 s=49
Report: h=11 m=45 s=34
